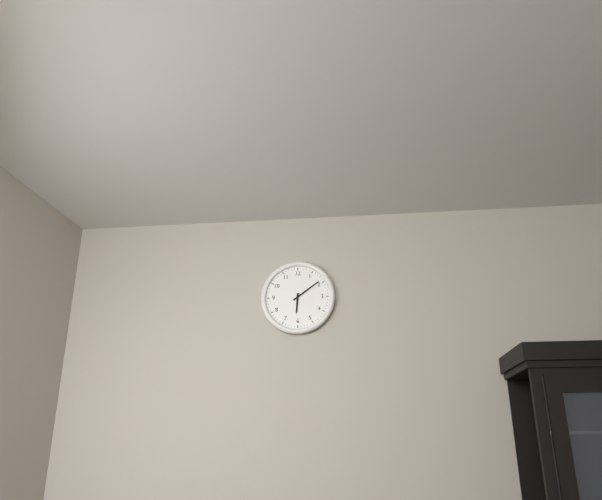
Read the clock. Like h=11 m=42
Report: h=6 m=9
